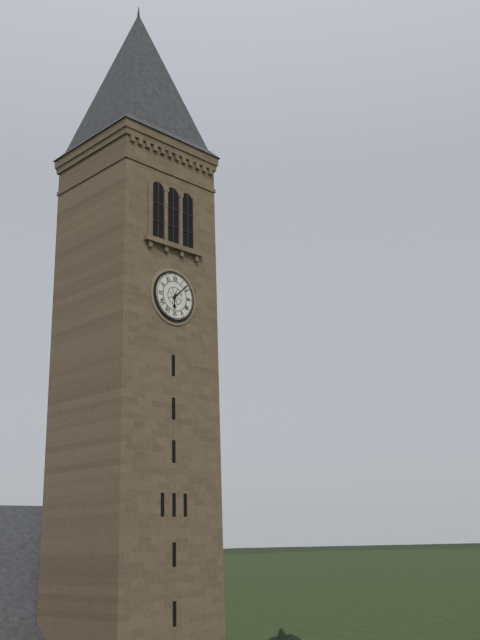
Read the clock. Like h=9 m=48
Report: h=6 m=8
